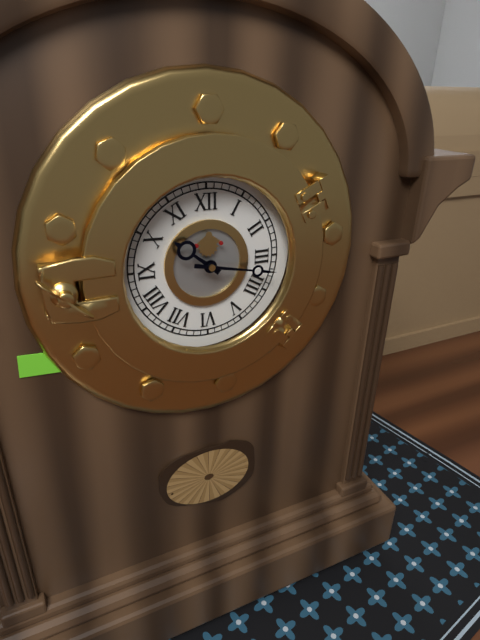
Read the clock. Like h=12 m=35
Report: h=10 m=17
